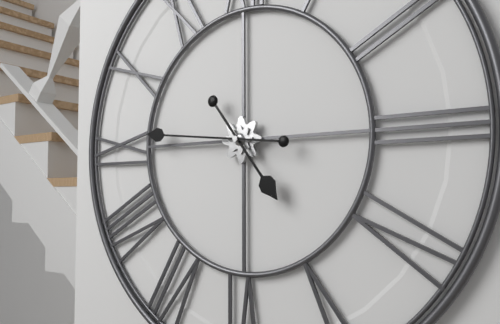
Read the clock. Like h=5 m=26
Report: h=4 m=46
